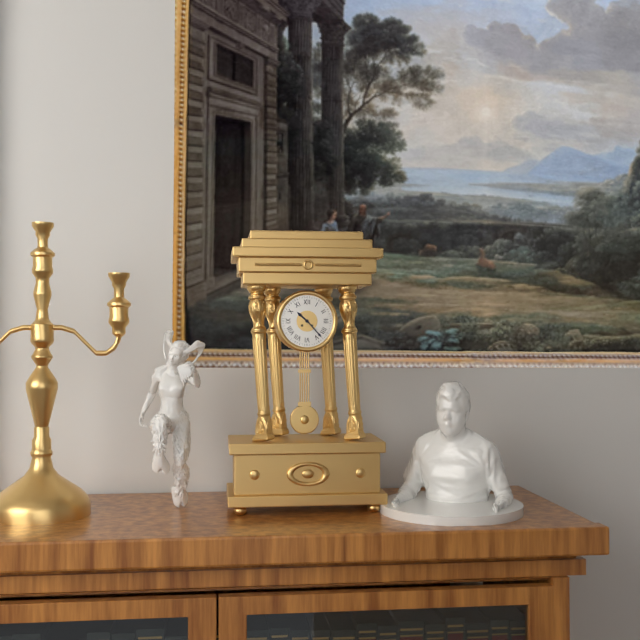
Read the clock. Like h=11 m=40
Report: h=10 m=23
